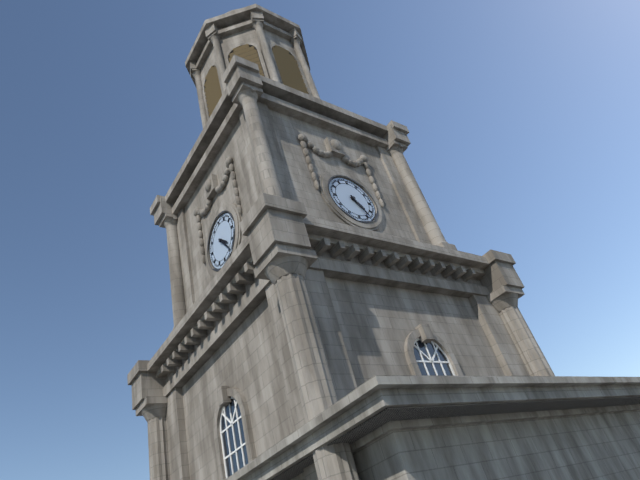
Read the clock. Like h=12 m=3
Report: h=4 m=24
